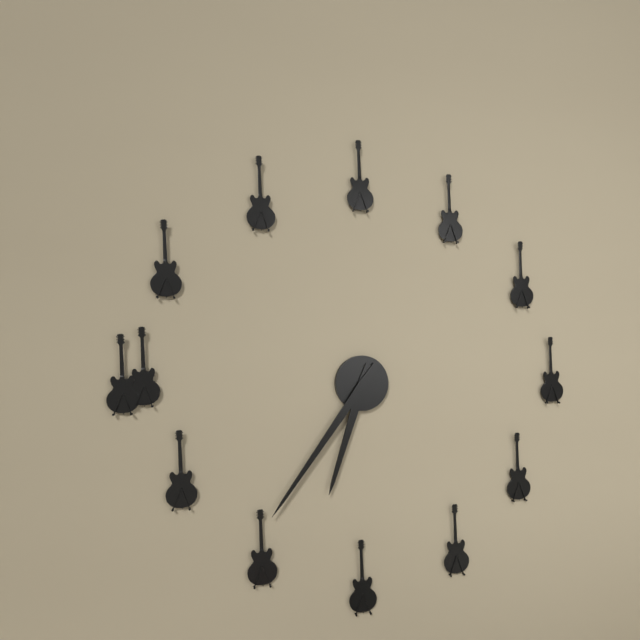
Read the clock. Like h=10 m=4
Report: h=6 m=36
